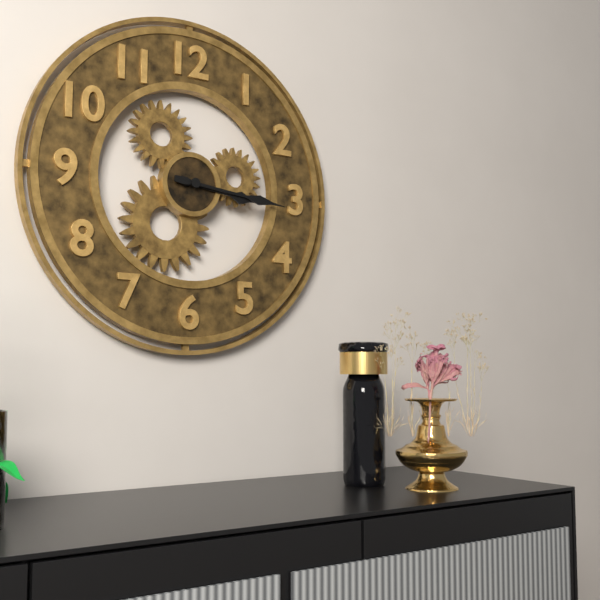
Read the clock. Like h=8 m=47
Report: h=3 m=16
